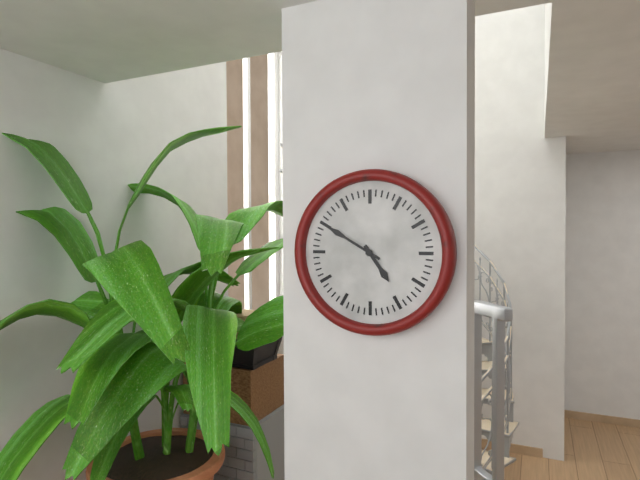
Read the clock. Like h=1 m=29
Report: h=4 m=50
